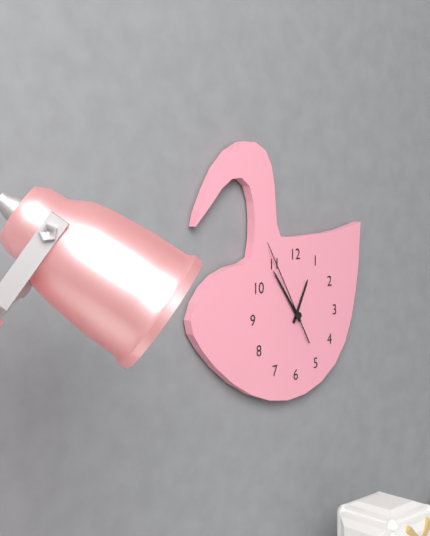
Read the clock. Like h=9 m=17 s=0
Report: h=12 m=54 s=55
